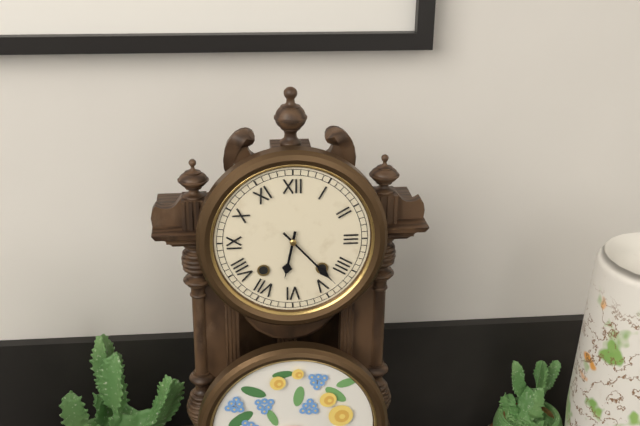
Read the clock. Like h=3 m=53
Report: h=6 m=23
